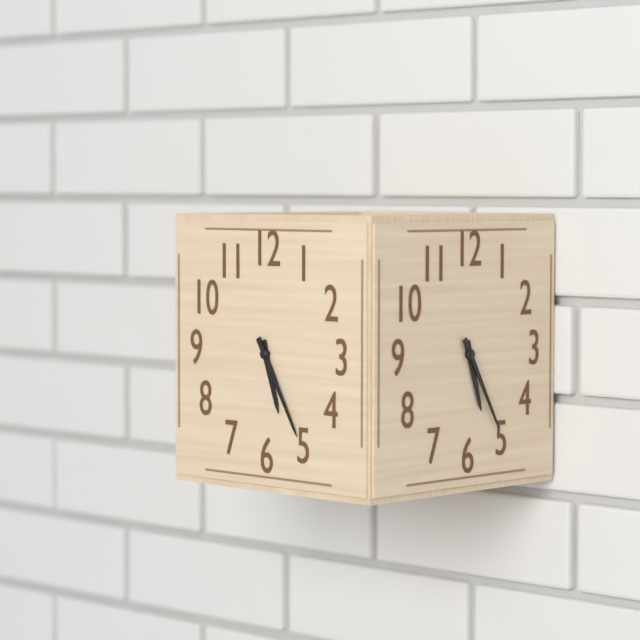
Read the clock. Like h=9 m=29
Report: h=5 m=25
